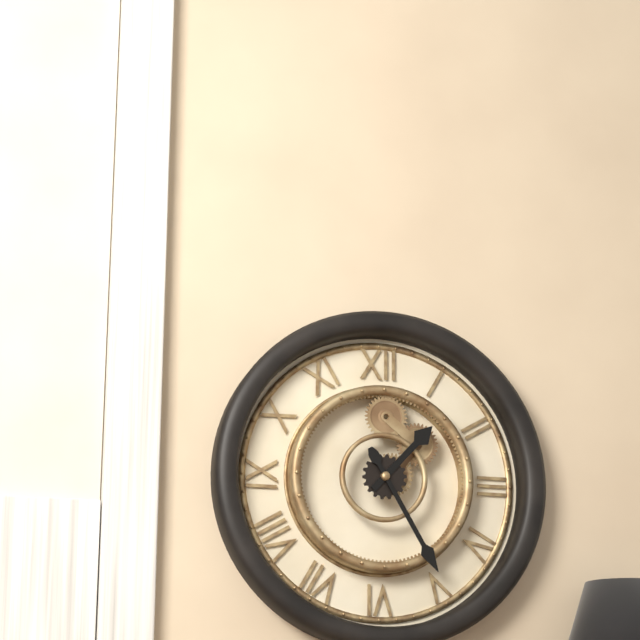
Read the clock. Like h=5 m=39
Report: h=1 m=25
